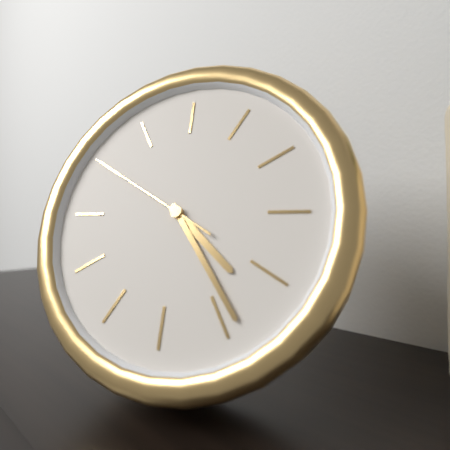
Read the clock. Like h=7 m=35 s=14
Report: h=4 m=24 s=50
